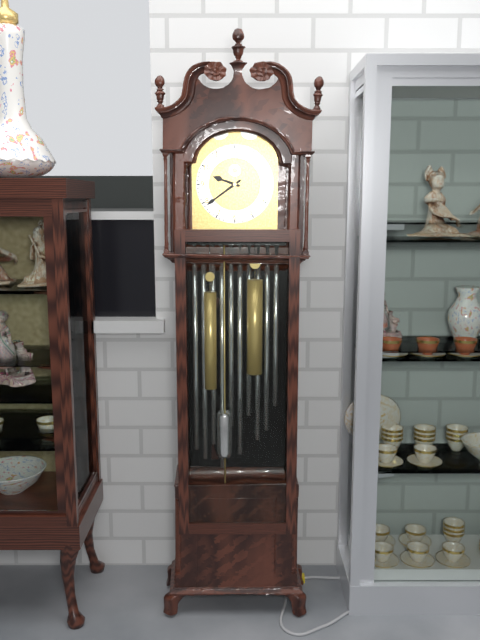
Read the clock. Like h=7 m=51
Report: h=9 m=39
